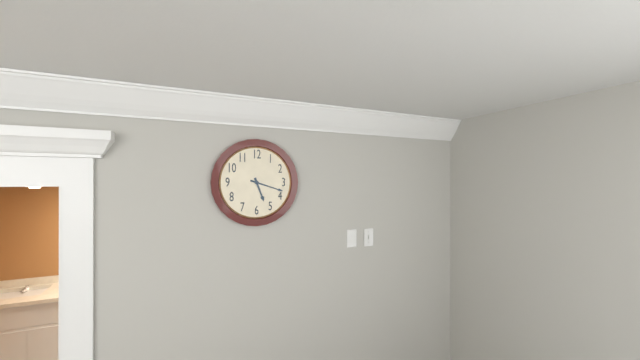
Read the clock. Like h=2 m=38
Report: h=5 m=18
